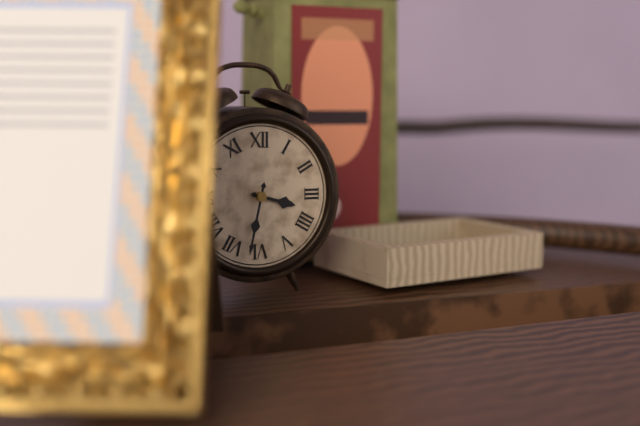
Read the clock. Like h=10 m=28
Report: h=3 m=32
